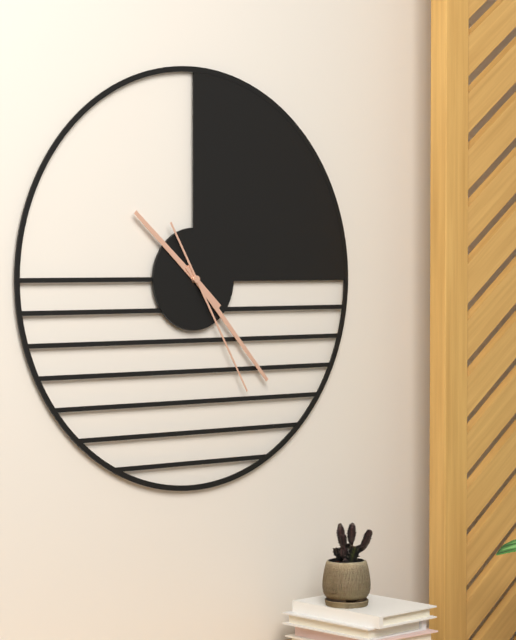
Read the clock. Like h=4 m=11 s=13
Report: h=10 m=23 s=25
